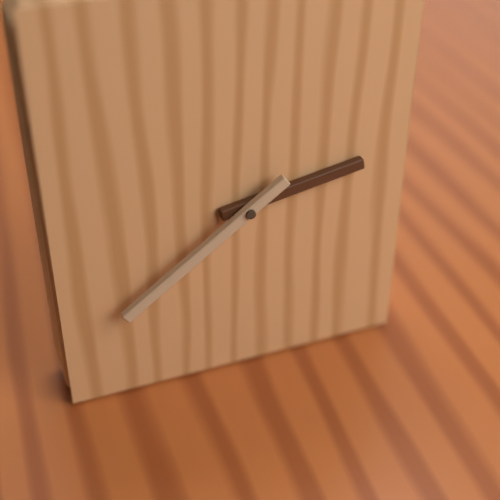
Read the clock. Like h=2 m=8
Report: h=2 m=39
